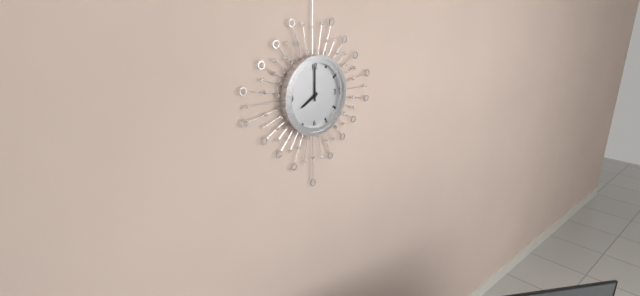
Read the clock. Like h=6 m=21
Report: h=8 m=0
